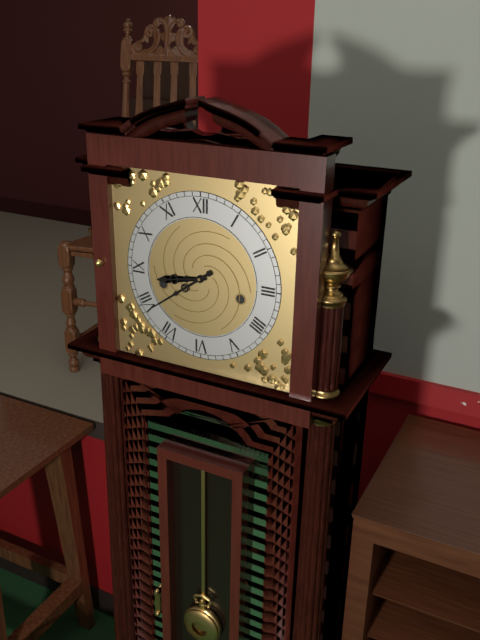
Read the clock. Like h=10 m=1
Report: h=8 m=39
